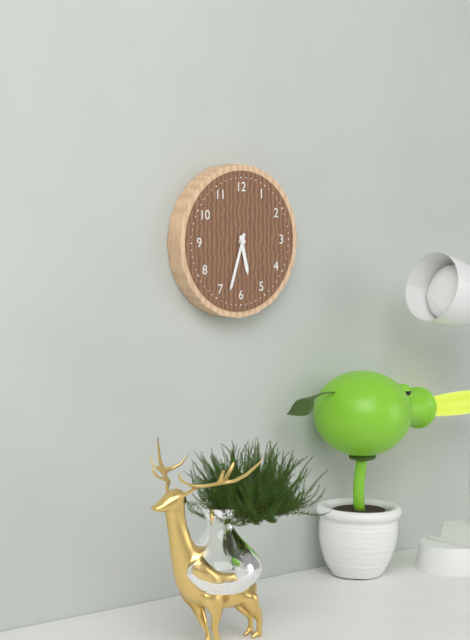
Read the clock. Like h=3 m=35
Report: h=5 m=33
